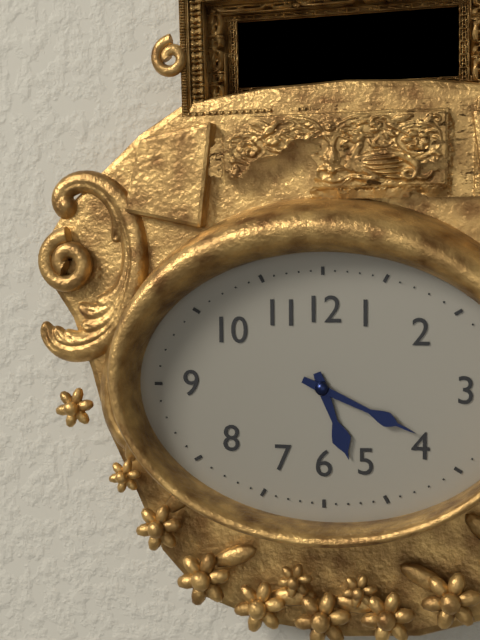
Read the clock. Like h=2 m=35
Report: h=5 m=19
